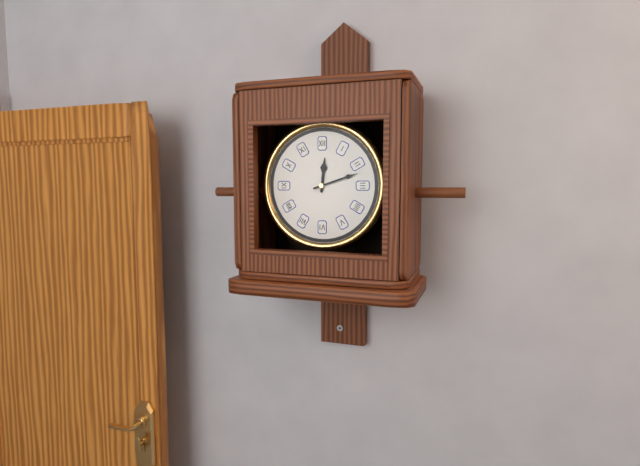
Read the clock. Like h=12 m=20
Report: h=12 m=12
